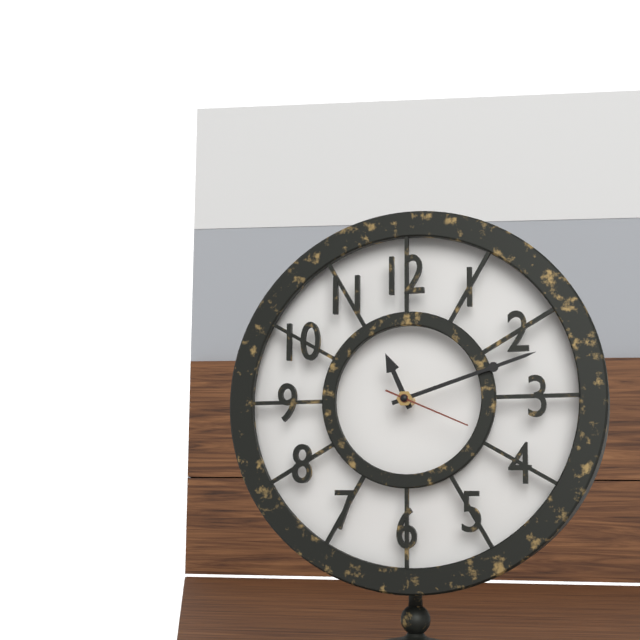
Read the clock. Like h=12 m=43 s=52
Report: h=11 m=12 s=19
